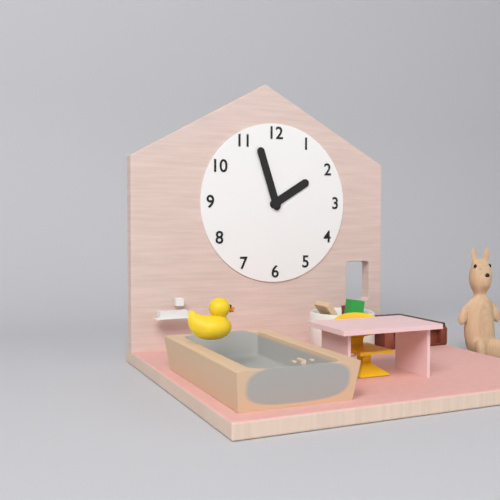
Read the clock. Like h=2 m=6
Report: h=1 m=57
